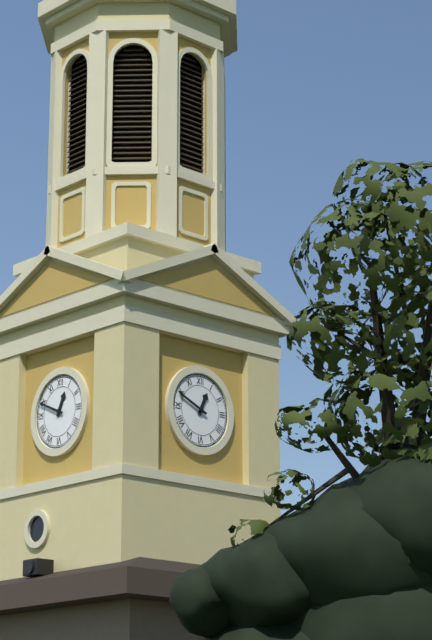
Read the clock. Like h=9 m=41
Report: h=12 m=49
